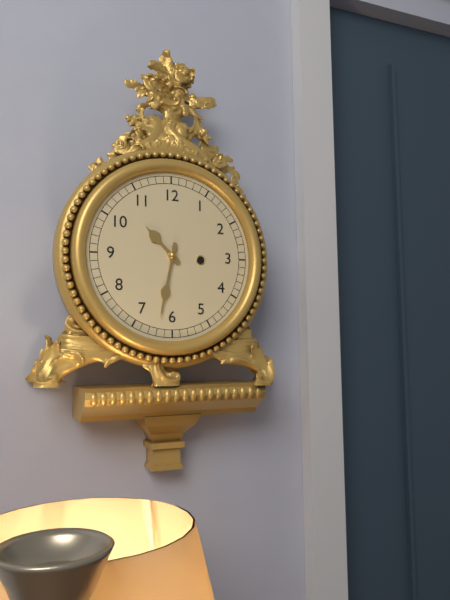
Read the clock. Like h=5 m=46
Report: h=10 m=32
